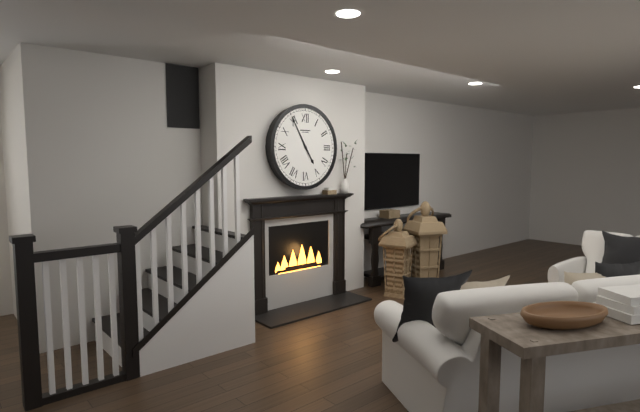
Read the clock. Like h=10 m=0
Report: h=4 m=55
